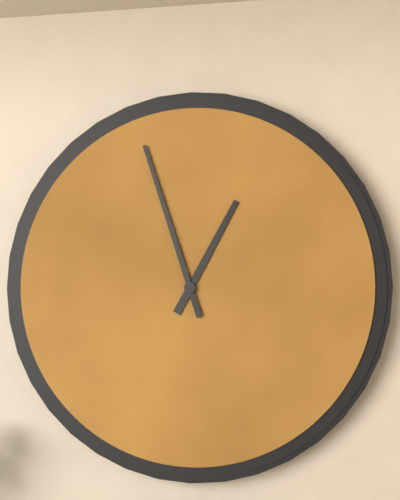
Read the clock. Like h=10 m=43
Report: h=12 m=57
